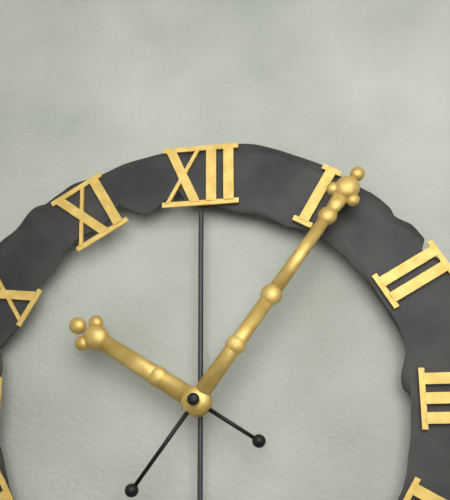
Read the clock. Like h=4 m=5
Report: h=10 m=6
